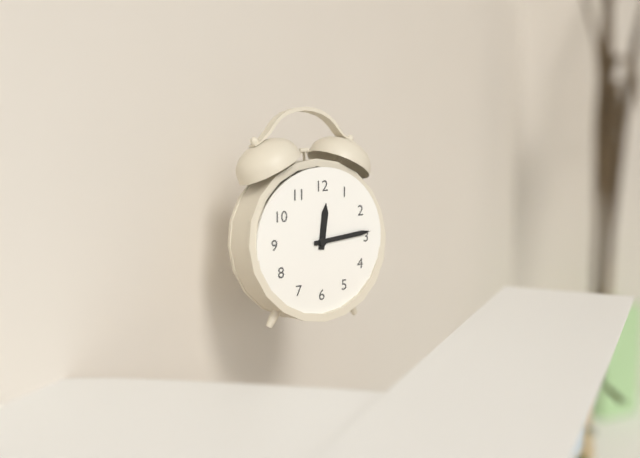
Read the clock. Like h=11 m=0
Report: h=12 m=14
